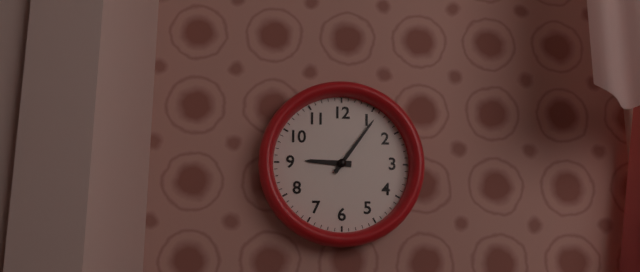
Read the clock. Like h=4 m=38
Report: h=9 m=6
